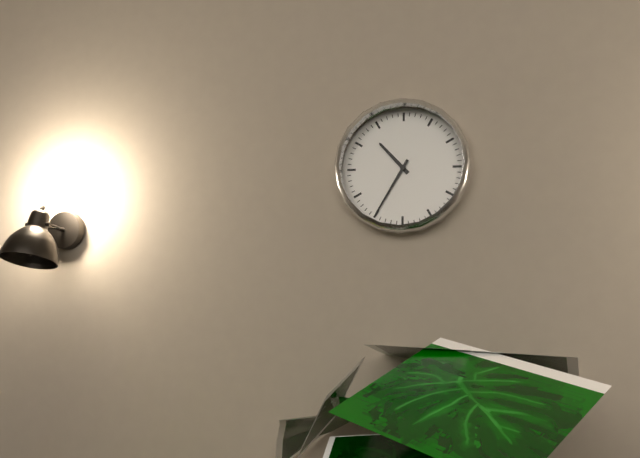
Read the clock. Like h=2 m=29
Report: h=10 m=35
